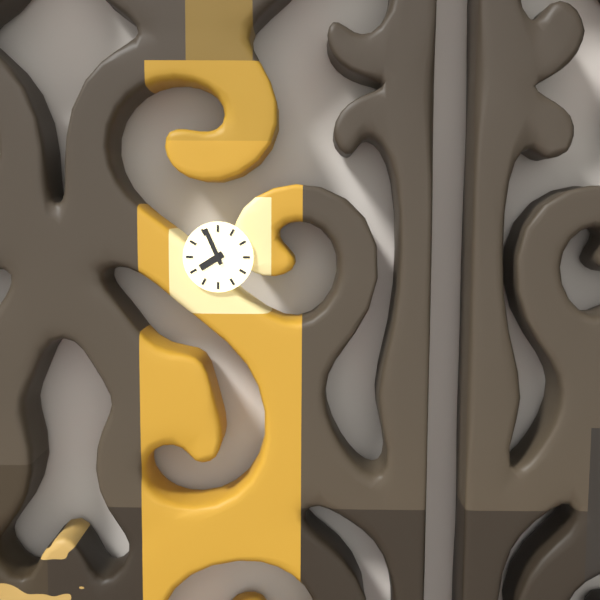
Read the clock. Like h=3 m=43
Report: h=7 m=56
